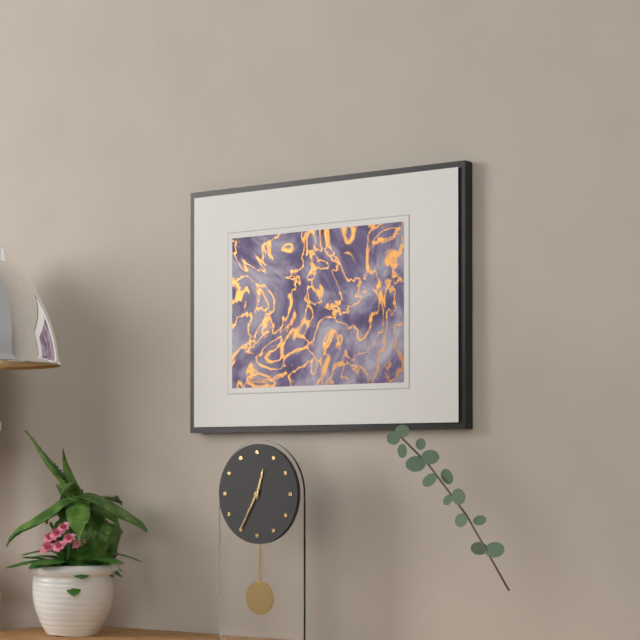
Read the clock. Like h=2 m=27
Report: h=12 m=35
